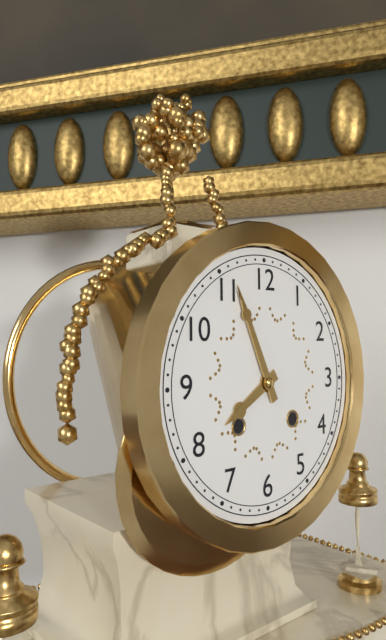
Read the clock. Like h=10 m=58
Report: h=7 m=56
